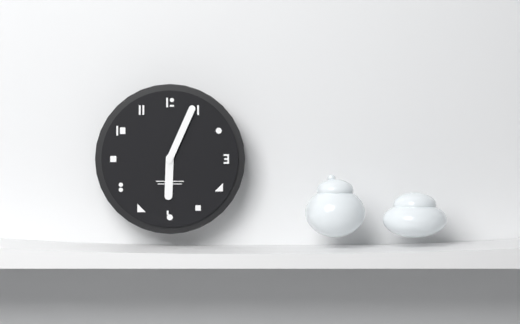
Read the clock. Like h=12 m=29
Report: h=6 m=4
